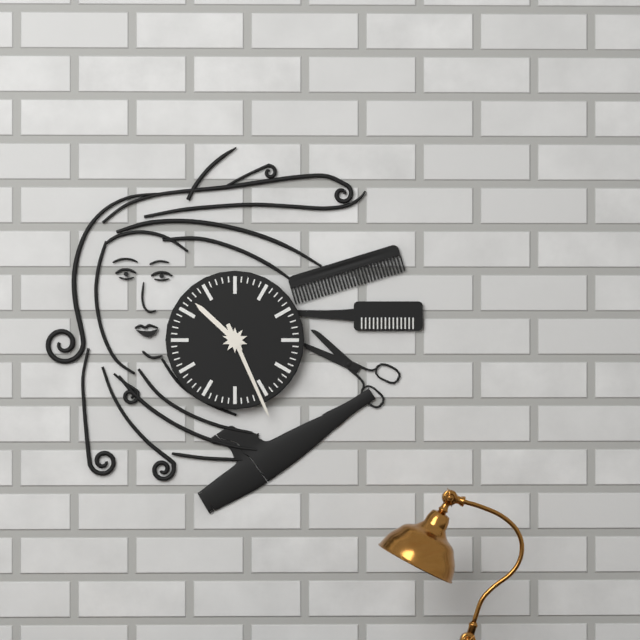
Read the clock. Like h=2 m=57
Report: h=10 m=26
